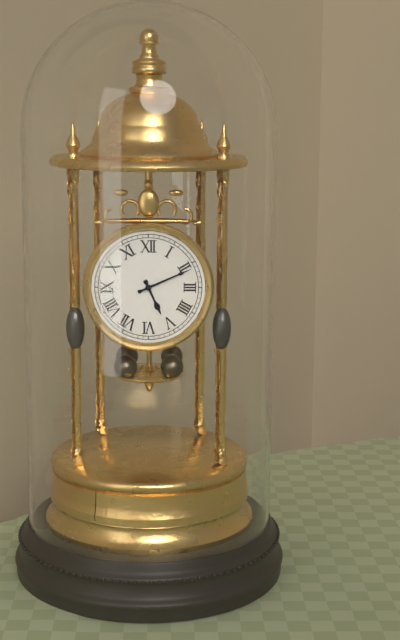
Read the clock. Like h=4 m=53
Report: h=5 m=11
